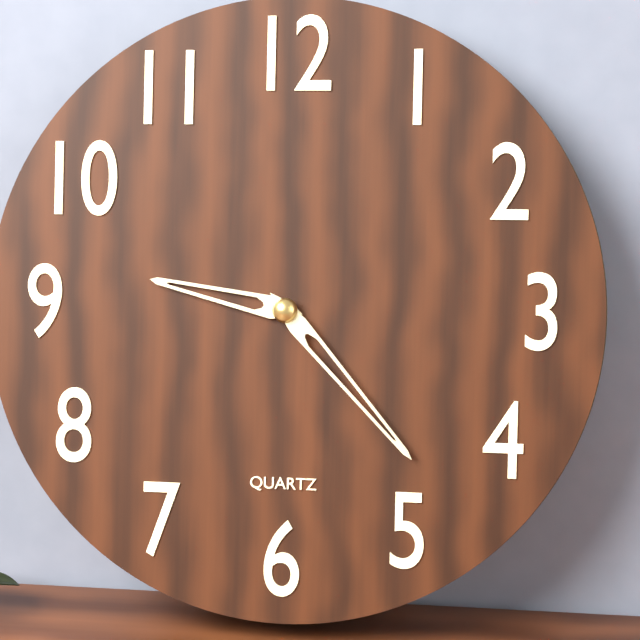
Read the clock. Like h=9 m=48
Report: h=9 m=23
